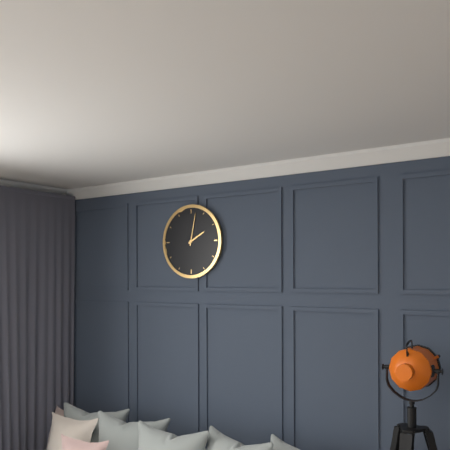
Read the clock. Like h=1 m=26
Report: h=2 m=2
